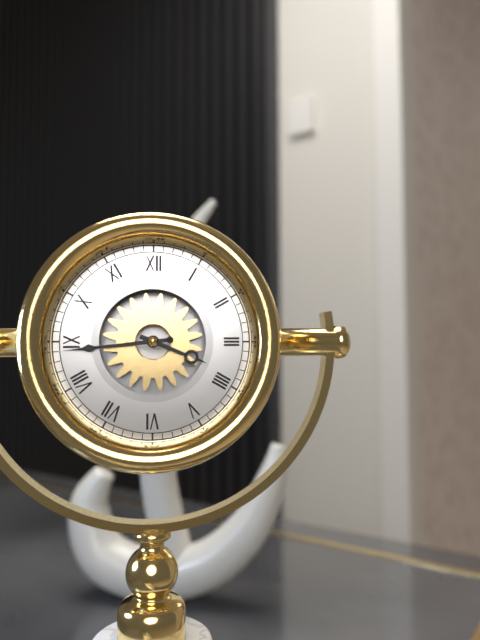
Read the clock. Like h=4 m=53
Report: h=3 m=44
